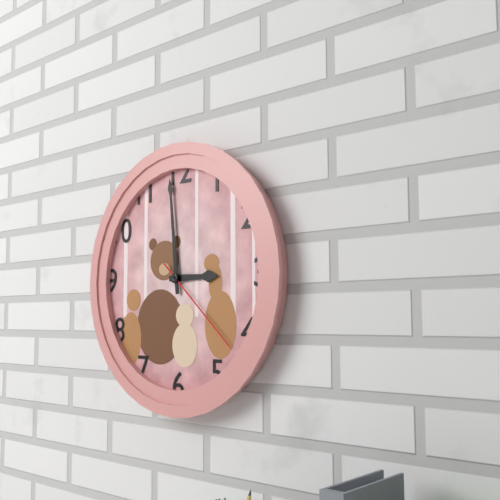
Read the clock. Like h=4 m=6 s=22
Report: h=2 m=59 s=22
